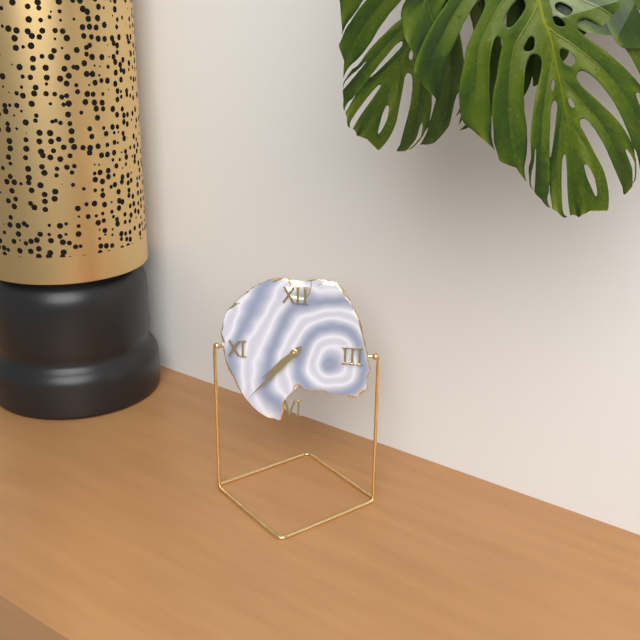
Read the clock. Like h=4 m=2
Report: h=7 m=37
